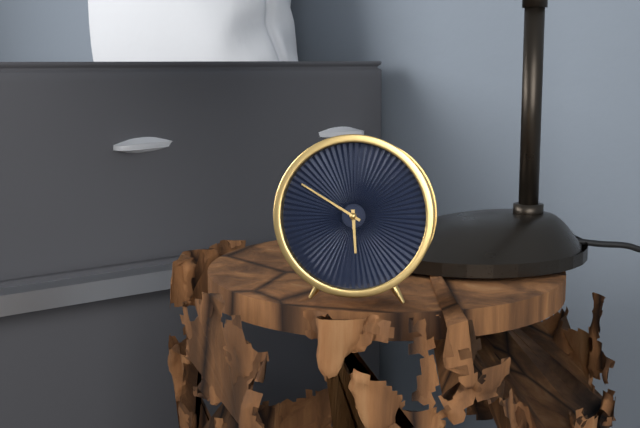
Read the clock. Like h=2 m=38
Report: h=5 m=50
